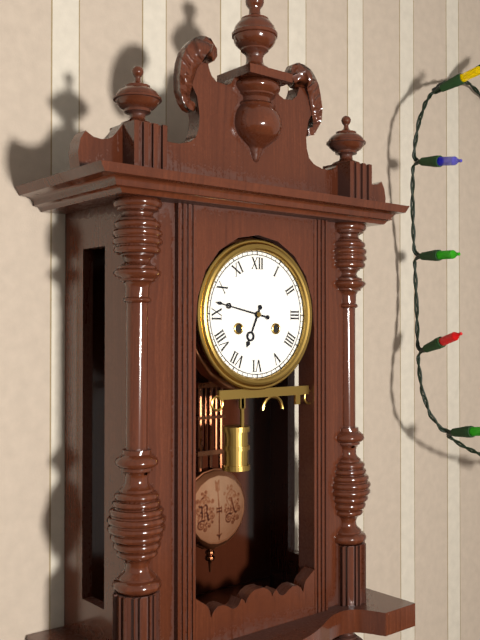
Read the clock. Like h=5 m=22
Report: h=6 m=47
